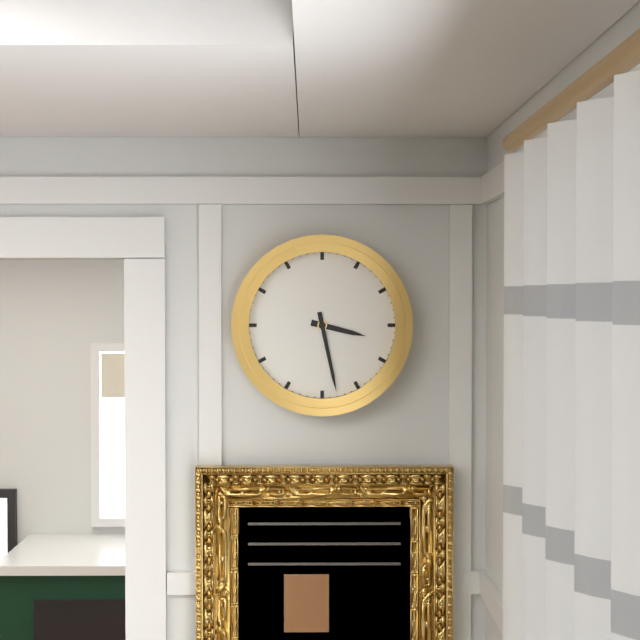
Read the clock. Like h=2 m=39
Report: h=3 m=28
